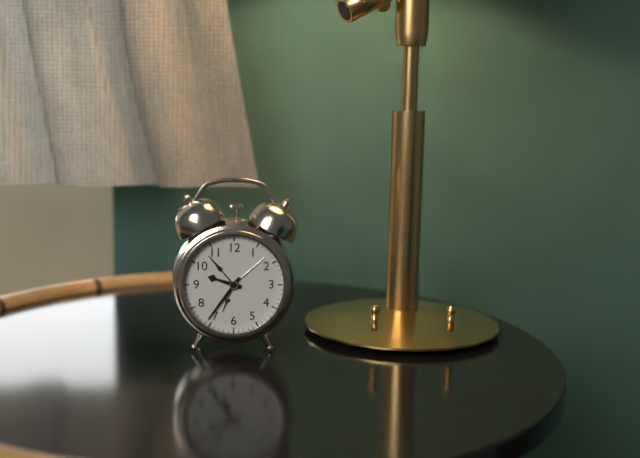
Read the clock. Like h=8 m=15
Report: h=9 m=36
